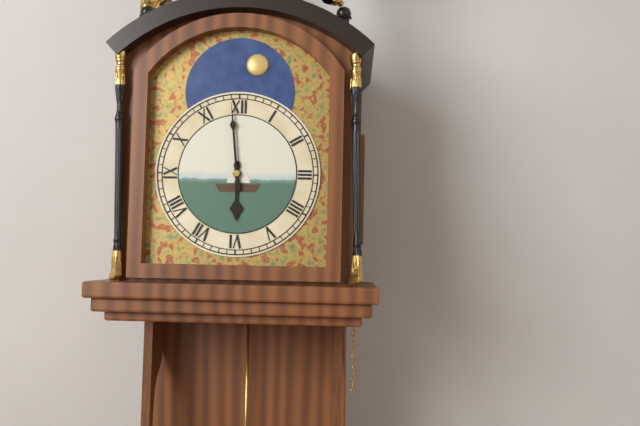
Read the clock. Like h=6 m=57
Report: h=5 m=59
